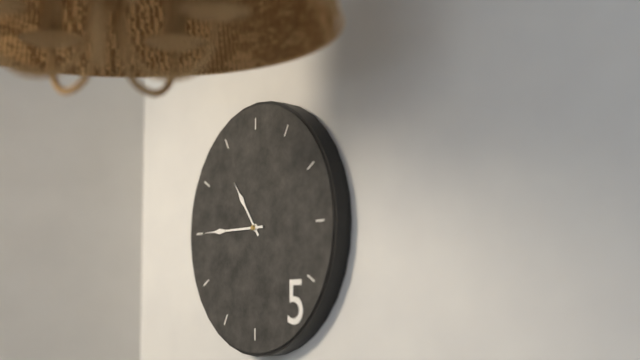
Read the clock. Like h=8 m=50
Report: h=10 m=45
